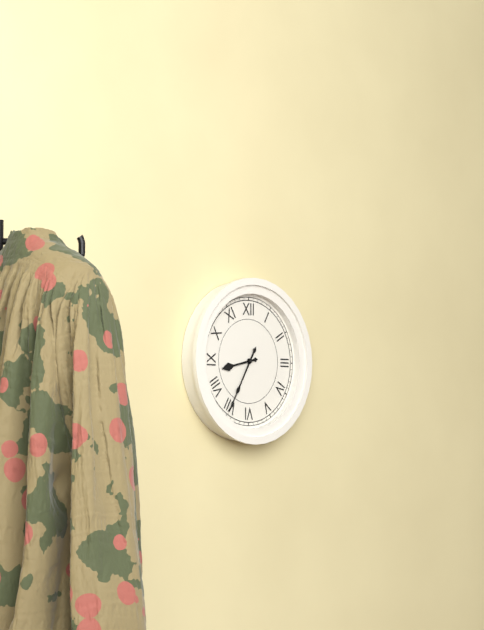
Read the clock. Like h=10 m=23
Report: h=8 m=35
